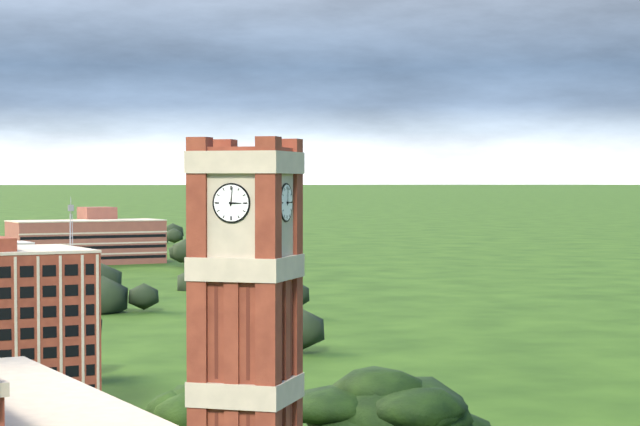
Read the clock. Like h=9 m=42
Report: h=3 m=1
